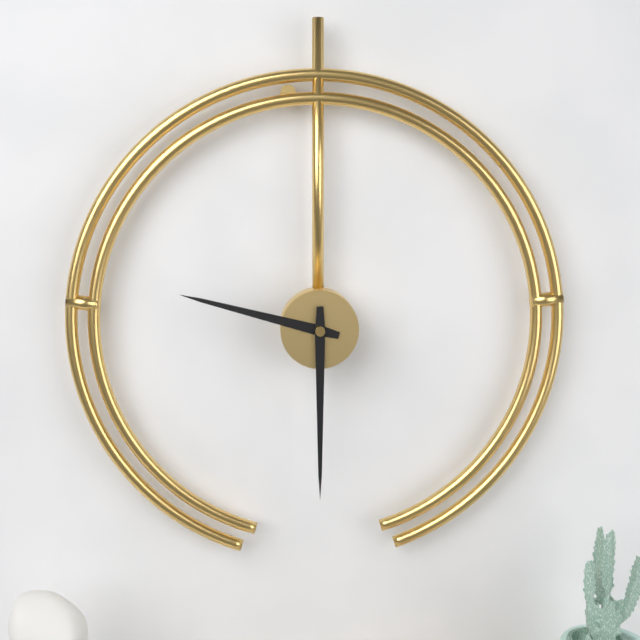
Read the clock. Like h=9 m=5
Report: h=9 m=30
